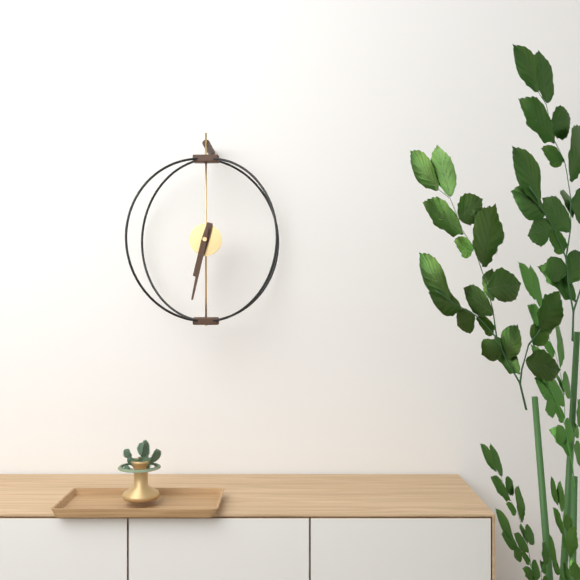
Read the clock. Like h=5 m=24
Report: h=6 m=32
